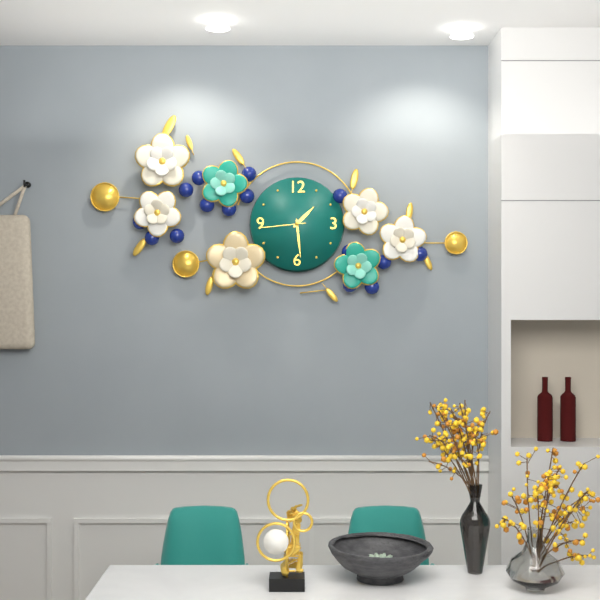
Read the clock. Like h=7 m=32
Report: h=1 m=29
